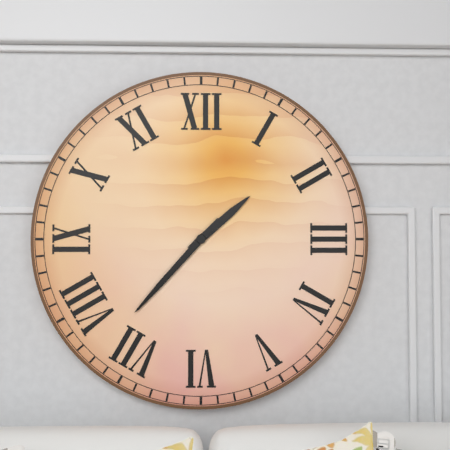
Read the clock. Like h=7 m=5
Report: h=1 m=37
